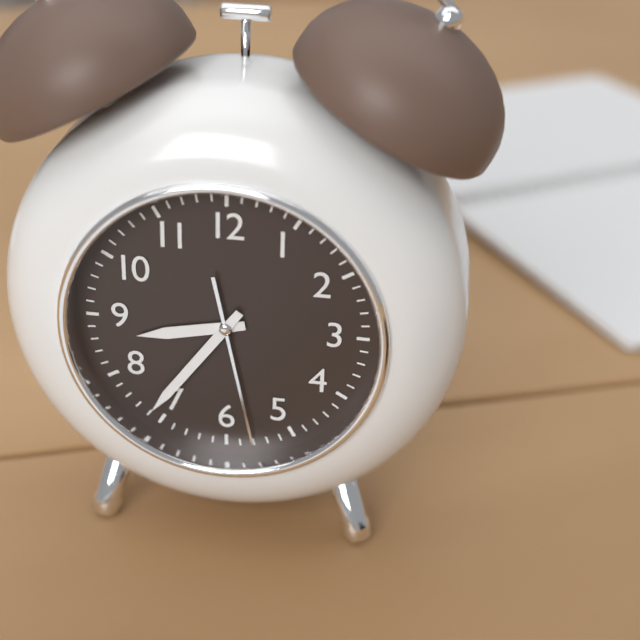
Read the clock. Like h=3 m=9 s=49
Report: h=8 m=36 s=28
